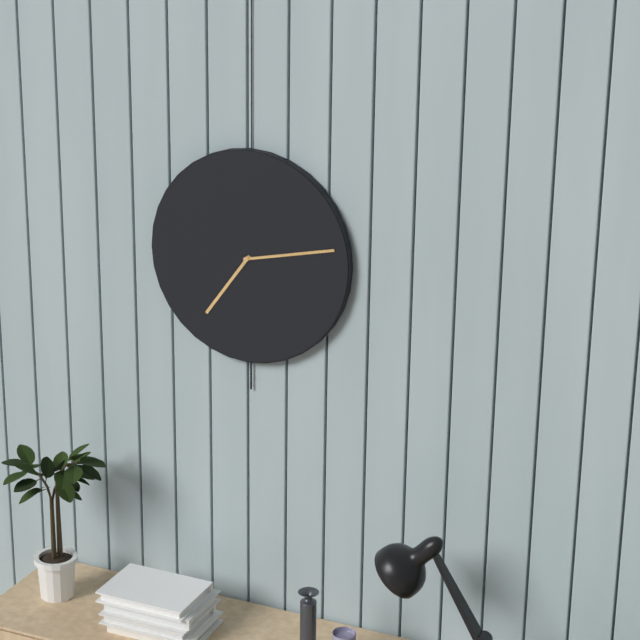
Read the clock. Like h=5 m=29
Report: h=7 m=13
